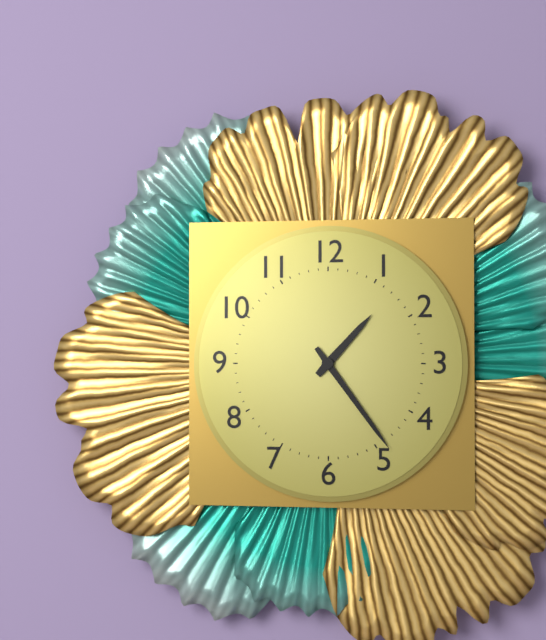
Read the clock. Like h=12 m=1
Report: h=1 m=24
